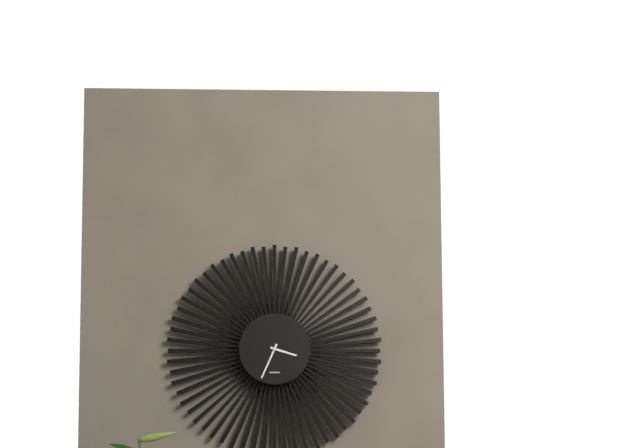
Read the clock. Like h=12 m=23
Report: h=3 m=34
